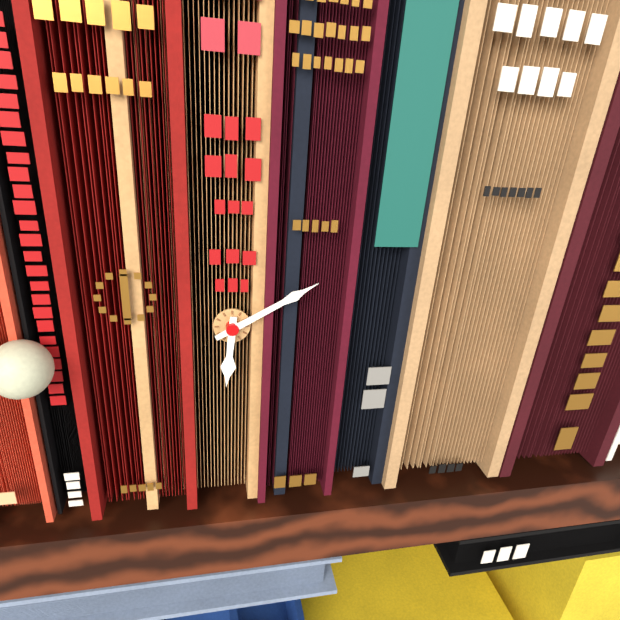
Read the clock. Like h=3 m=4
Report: h=6 m=10
